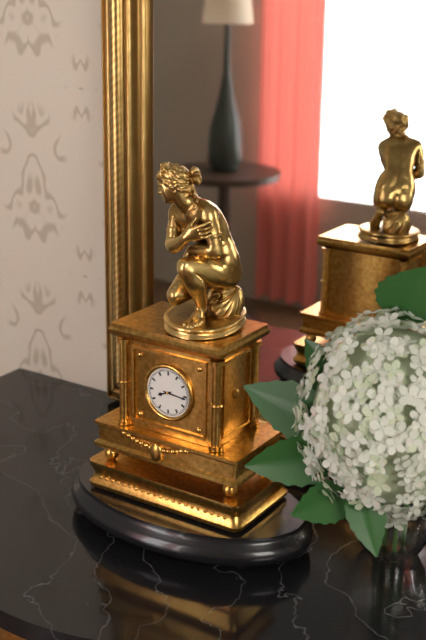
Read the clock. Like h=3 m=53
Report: h=8 m=16
